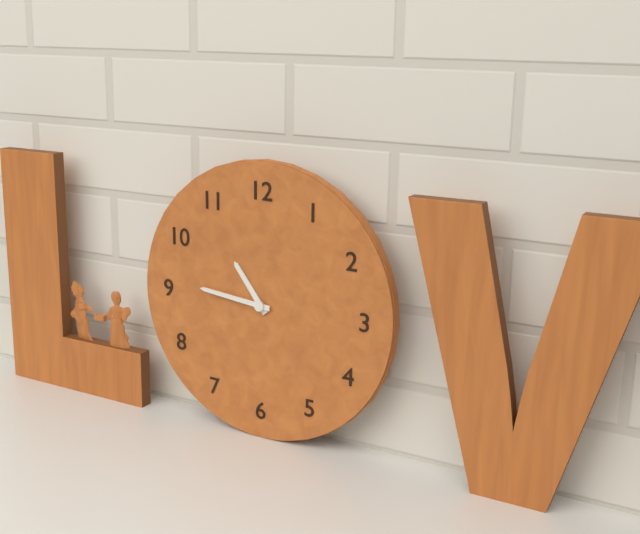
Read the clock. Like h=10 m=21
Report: h=10 m=46
